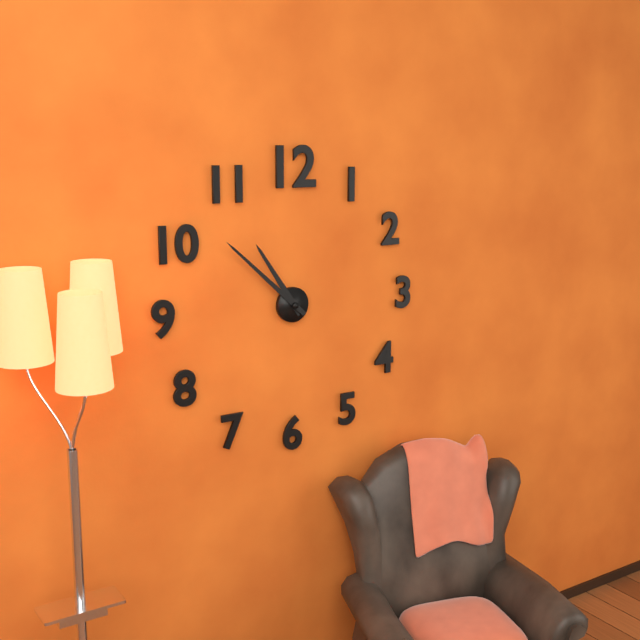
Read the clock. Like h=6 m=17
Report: h=10 m=52
